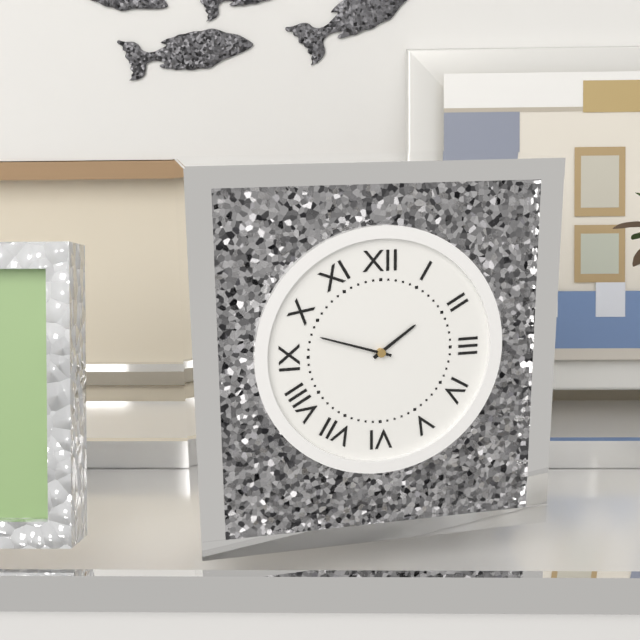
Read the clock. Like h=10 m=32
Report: h=1 m=48
